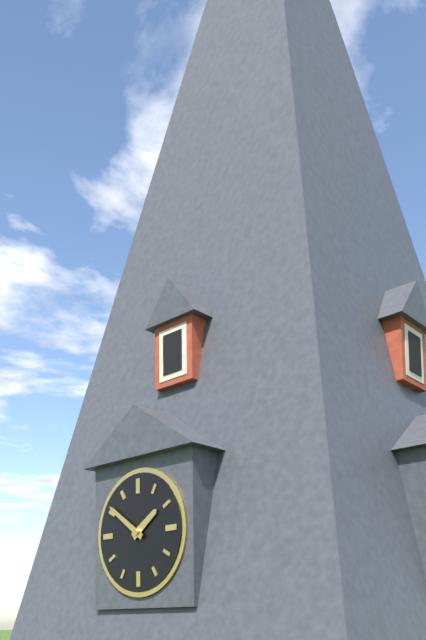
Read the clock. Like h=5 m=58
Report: h=1 m=51
